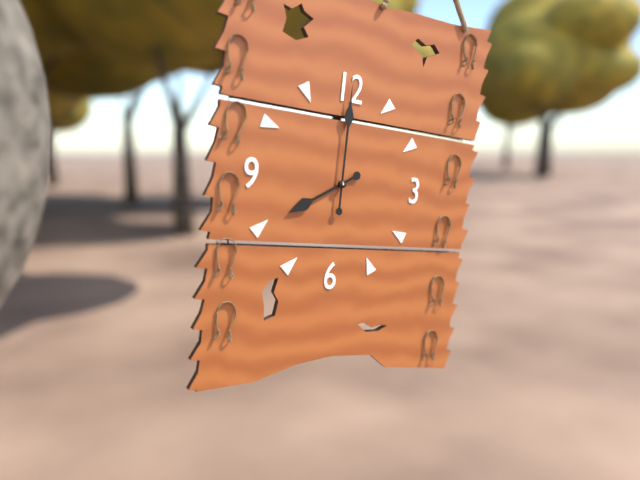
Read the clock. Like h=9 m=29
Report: h=8 m=0
